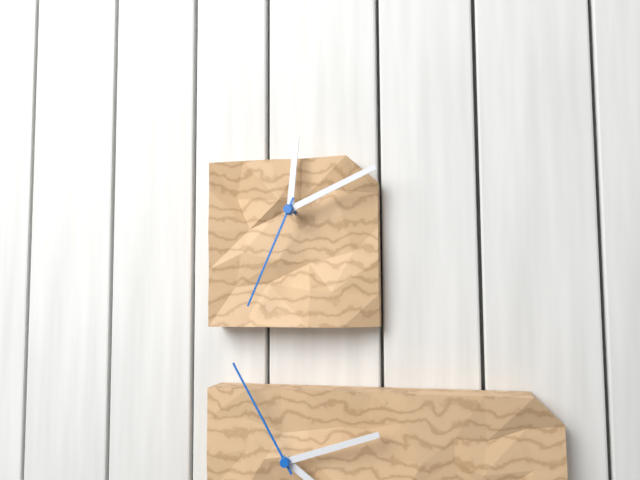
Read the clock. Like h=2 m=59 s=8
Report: h=12 m=11 s=34
